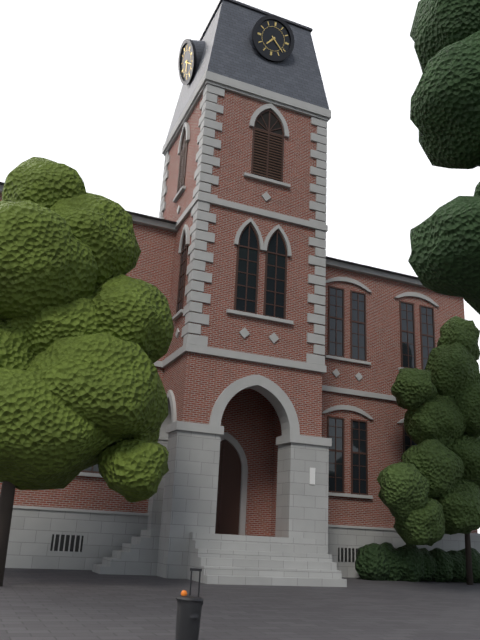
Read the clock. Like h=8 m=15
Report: h=7 m=22
